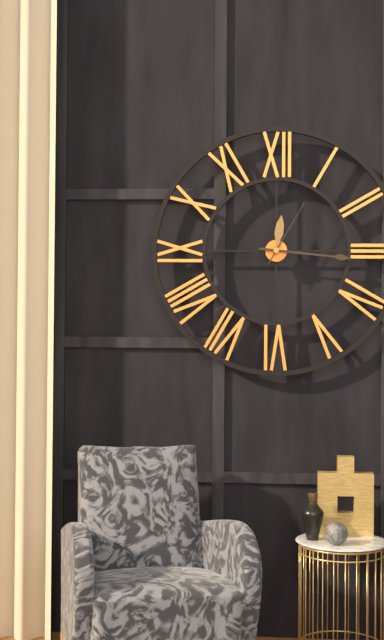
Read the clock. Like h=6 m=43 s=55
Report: h=12 m=16 s=5
